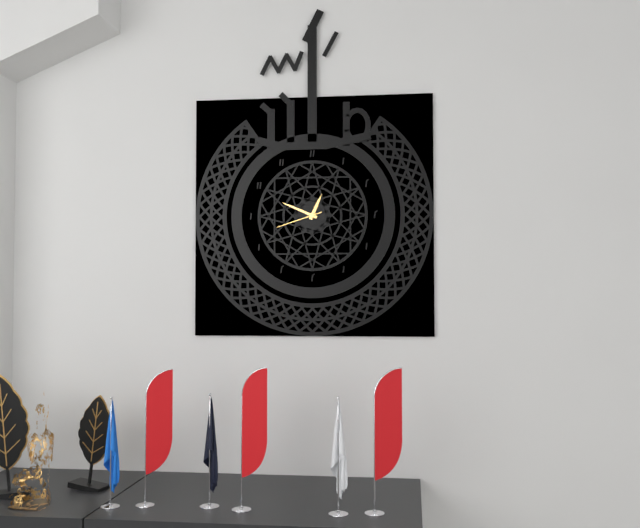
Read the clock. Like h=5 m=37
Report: h=12 m=49
